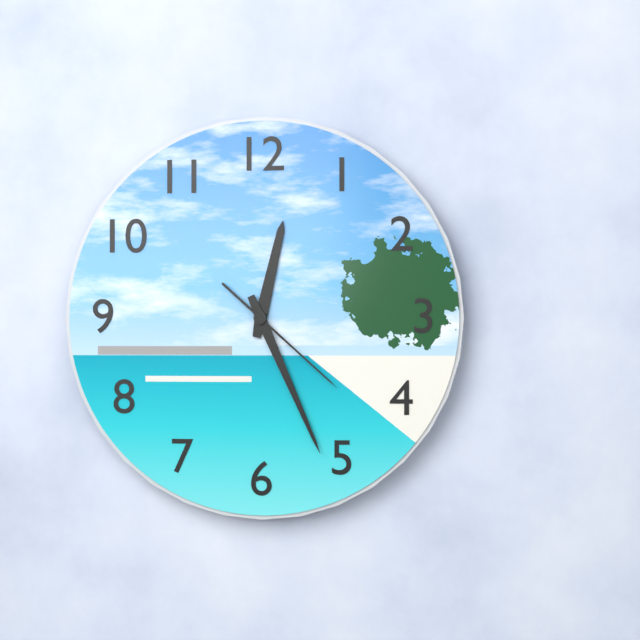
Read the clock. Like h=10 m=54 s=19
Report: h=12 m=26 s=22
